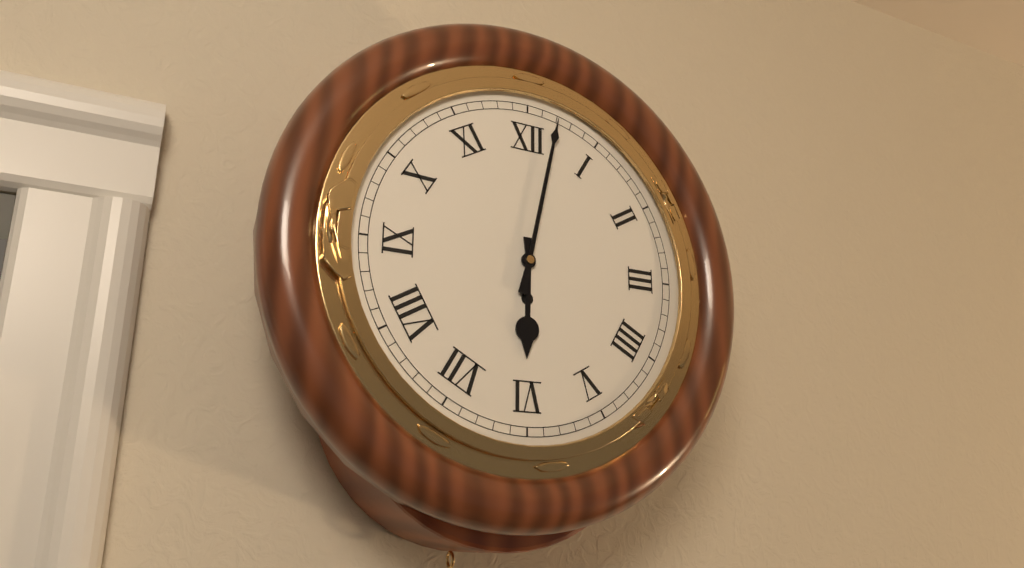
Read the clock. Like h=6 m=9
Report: h=6 m=2
